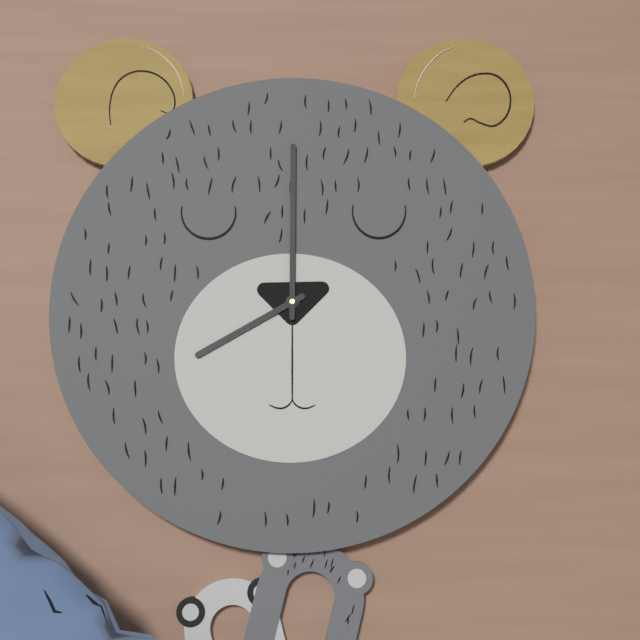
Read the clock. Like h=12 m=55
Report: h=8 m=0
